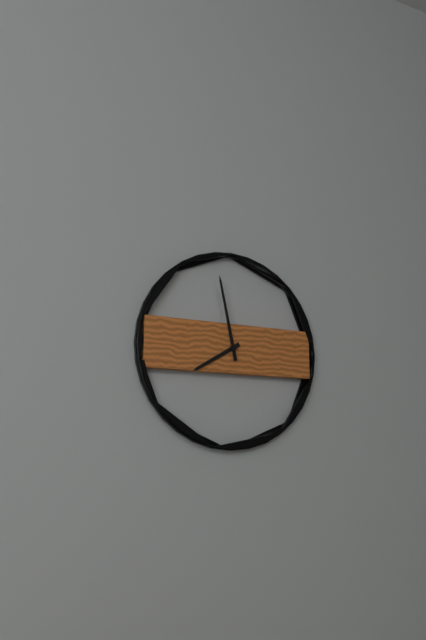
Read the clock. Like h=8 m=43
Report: h=7 m=58
